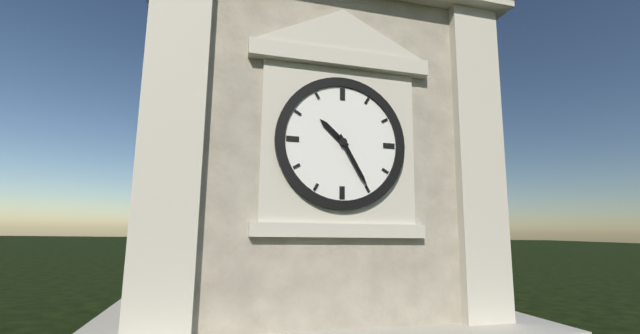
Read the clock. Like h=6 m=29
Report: h=10 m=25
